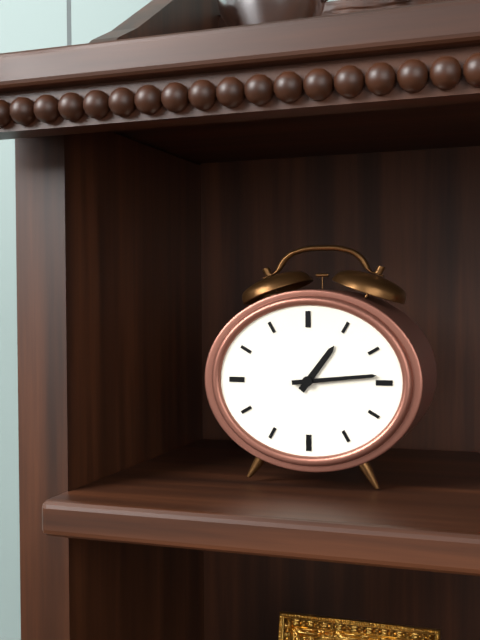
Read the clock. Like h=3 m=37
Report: h=1 m=14
